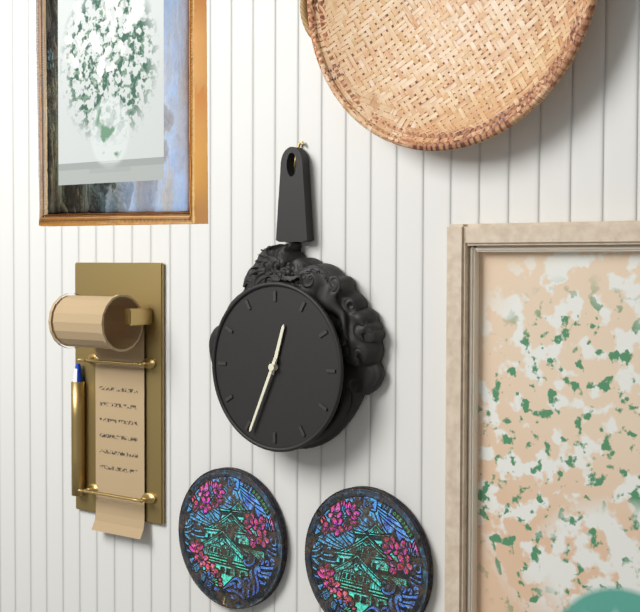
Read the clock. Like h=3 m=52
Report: h=12 m=34
